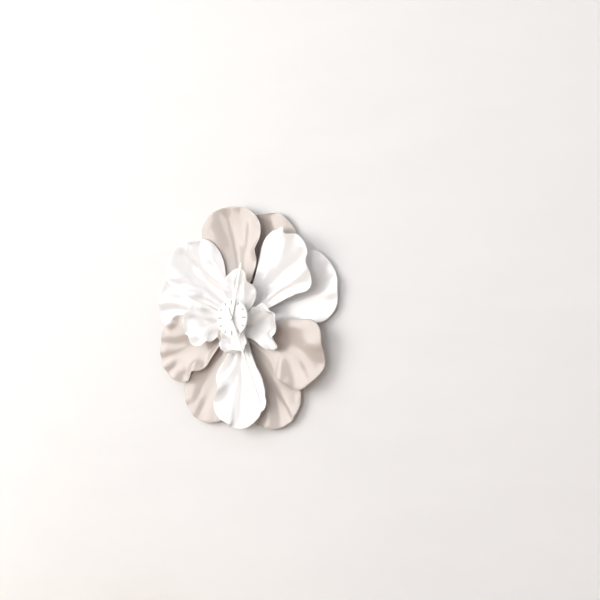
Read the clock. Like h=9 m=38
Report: h=12 m=26
